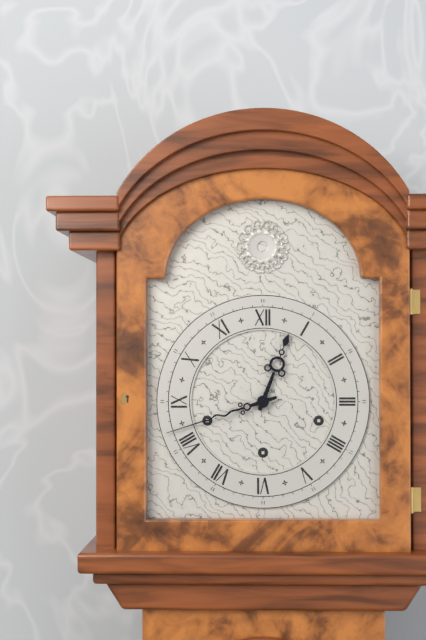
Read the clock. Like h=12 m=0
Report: h=12 m=42
